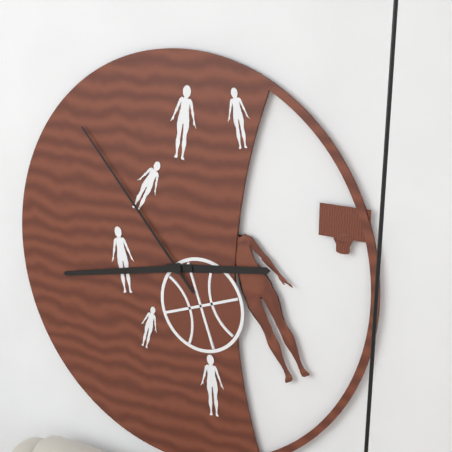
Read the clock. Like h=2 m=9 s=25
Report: h=2 m=43 s=53
